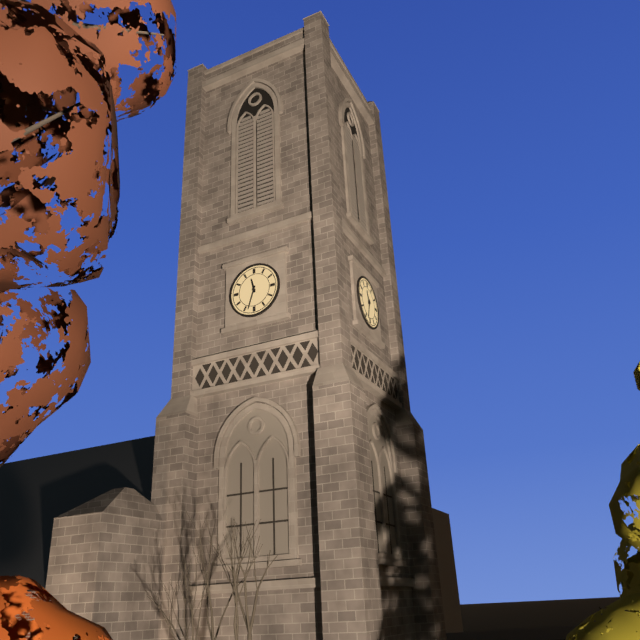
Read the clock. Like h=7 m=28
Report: h=11 m=33
